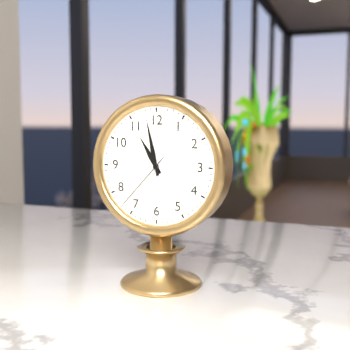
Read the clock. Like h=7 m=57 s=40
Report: h=10 m=58 s=37
